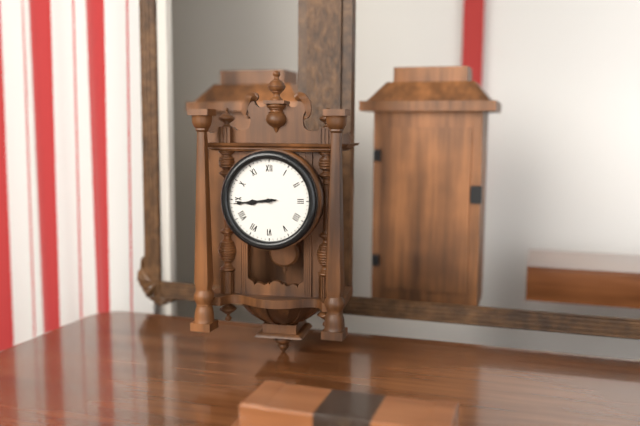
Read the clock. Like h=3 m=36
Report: h=8 m=44
